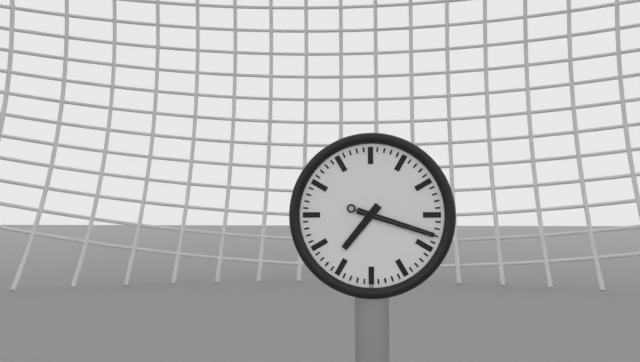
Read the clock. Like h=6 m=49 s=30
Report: h=7 m=18 s=18
